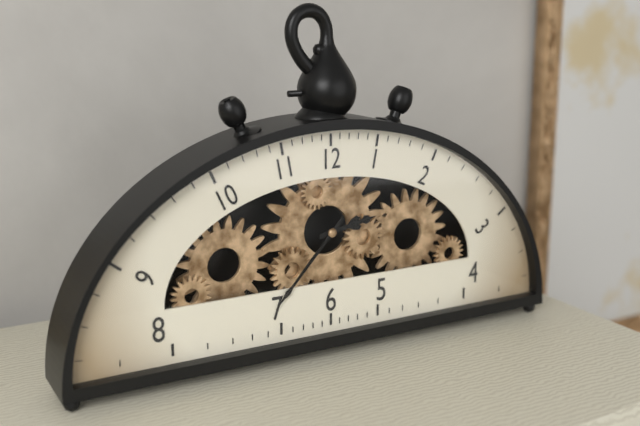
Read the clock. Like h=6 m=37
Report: h=2 m=37
